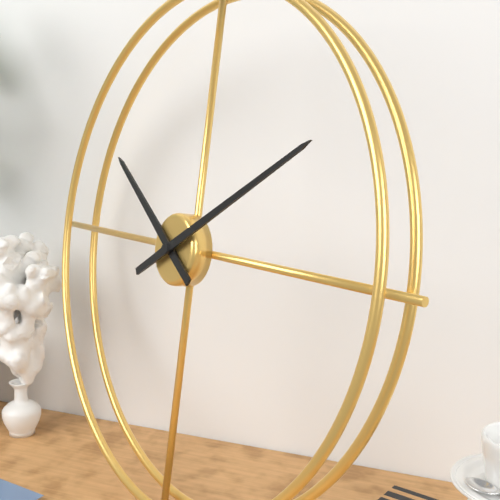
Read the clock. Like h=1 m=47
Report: h=10 m=10
